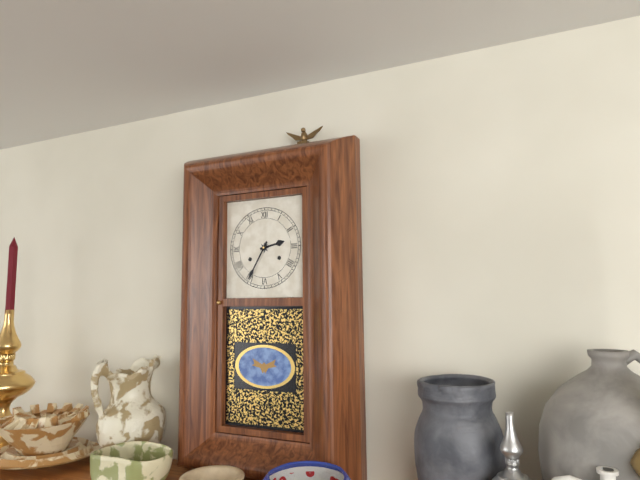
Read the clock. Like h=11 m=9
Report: h=2 m=35
